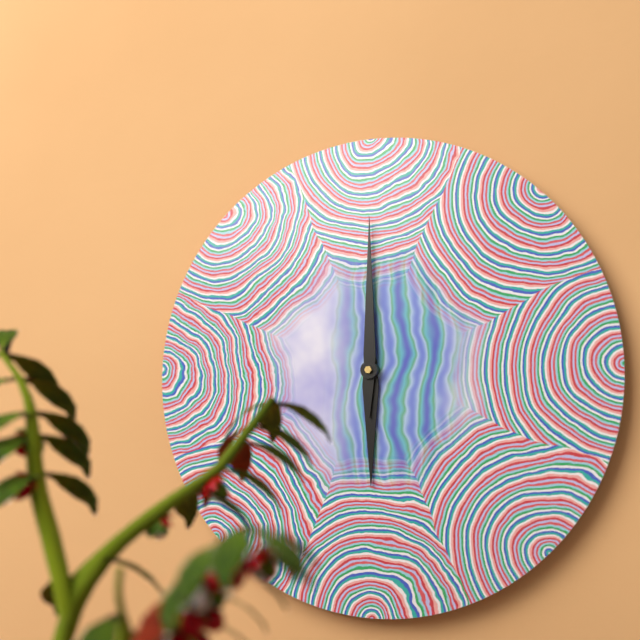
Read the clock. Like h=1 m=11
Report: h=6 m=0
